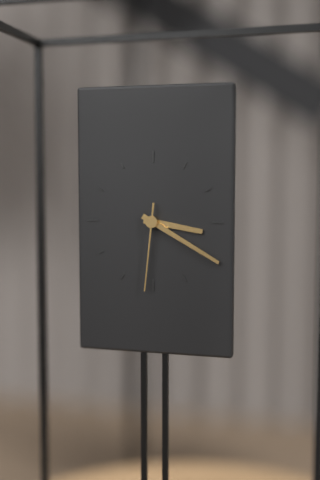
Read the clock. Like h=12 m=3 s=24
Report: h=3 m=20 s=31
